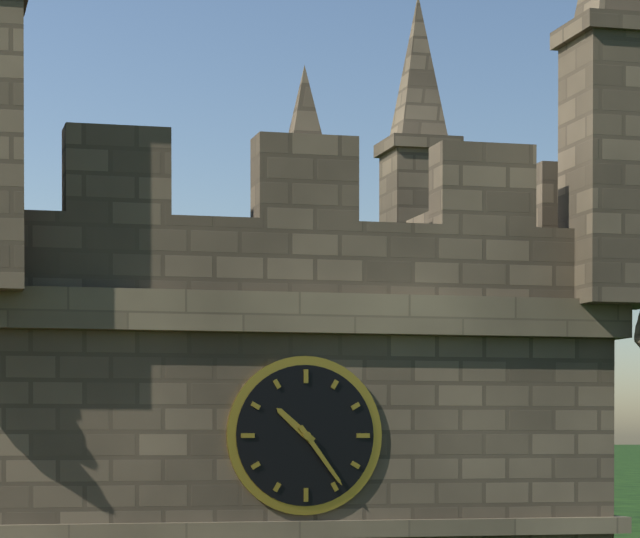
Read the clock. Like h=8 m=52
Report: h=10 m=24
